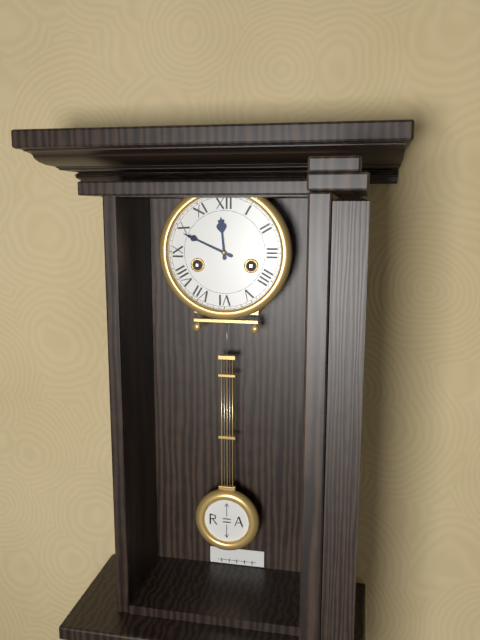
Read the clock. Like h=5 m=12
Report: h=11 m=49
